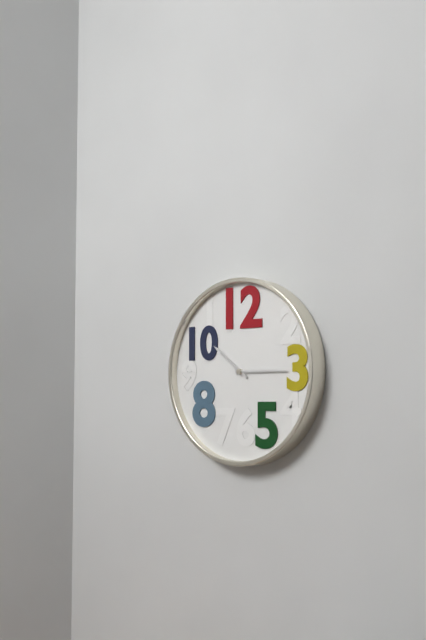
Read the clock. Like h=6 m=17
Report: h=10 m=15
